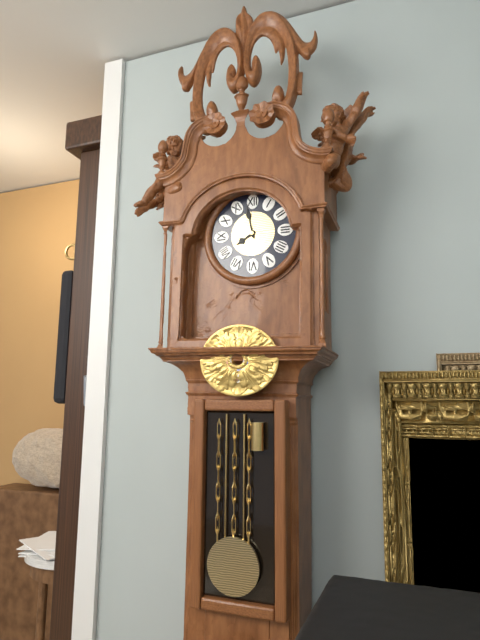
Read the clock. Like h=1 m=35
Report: h=7 m=58
